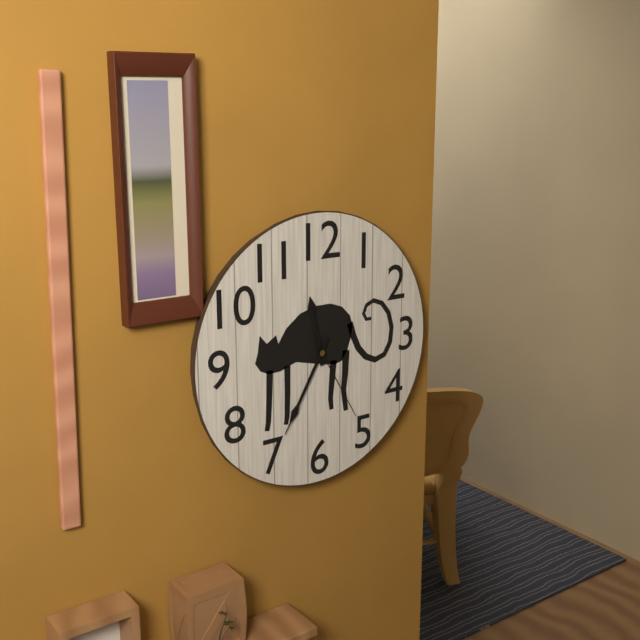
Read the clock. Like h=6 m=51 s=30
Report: h=11 m=35 s=25
